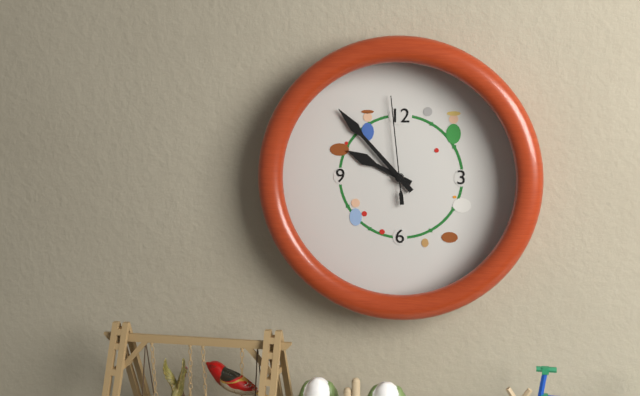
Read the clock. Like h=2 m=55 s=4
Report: h=9 m=53 s=59
